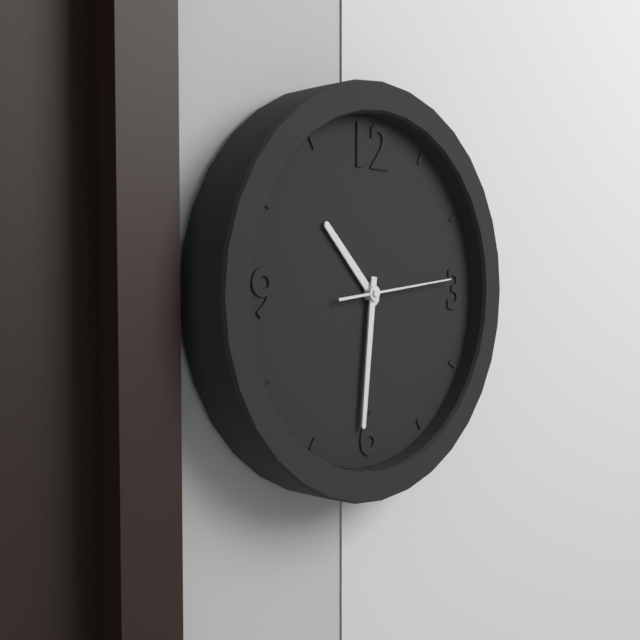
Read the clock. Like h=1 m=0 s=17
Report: h=10 m=31 s=14
